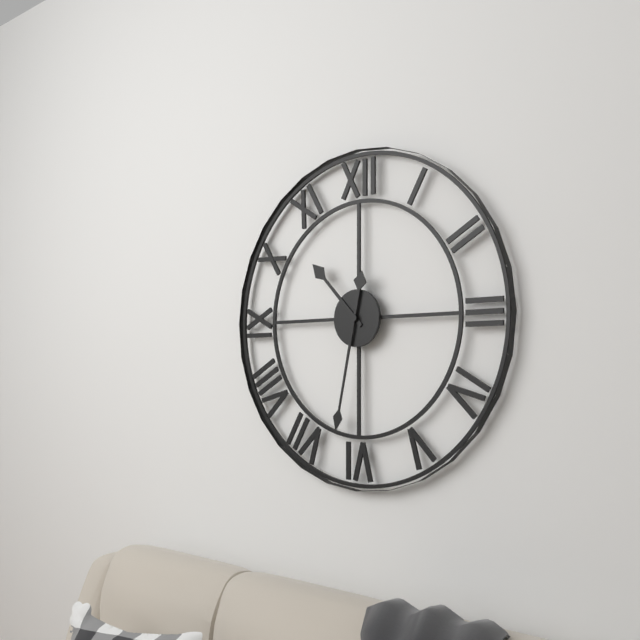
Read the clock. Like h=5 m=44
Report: h=10 m=32
